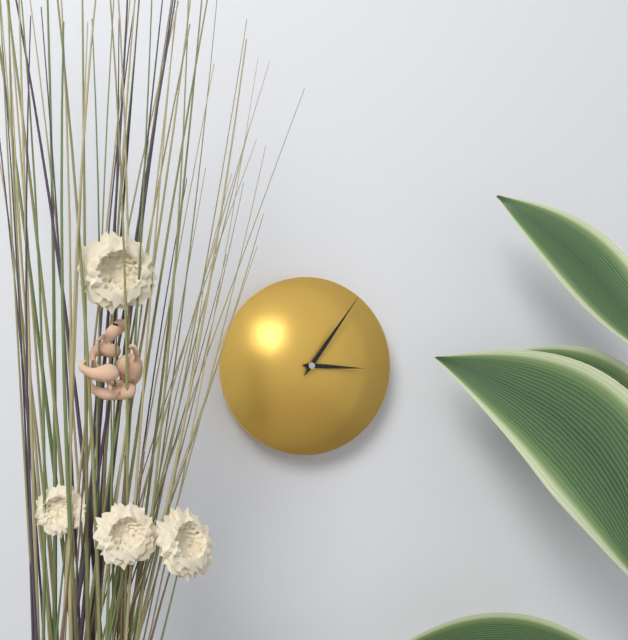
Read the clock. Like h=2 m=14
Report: h=3 m=6
